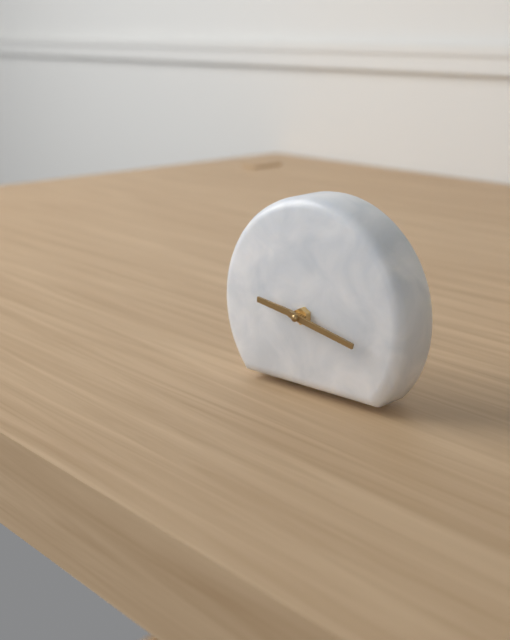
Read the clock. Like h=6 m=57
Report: h=9 m=17
